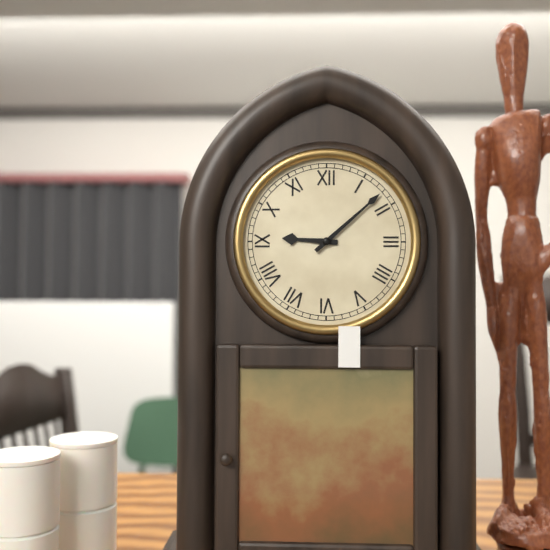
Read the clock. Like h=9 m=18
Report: h=9 m=8
